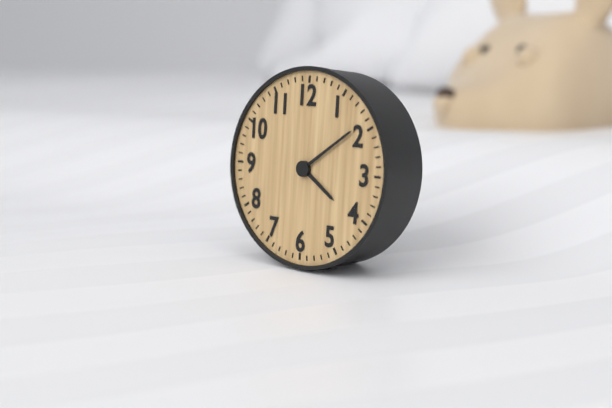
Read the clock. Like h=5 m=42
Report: h=4 m=9
